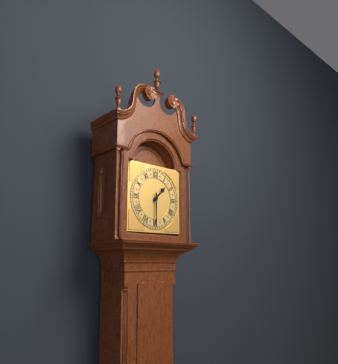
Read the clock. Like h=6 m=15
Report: h=1 m=30
